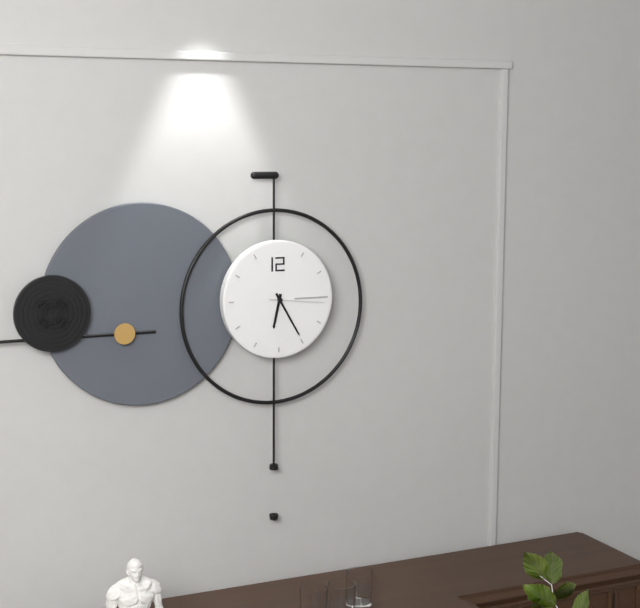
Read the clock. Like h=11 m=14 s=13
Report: h=6 m=25 s=16
